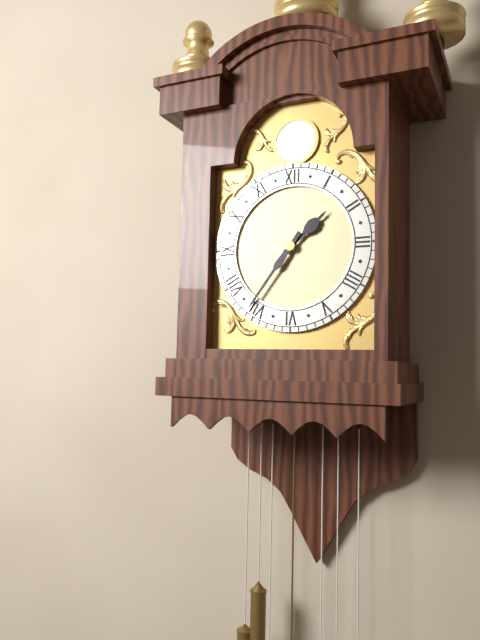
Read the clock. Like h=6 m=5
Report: h=1 m=36
